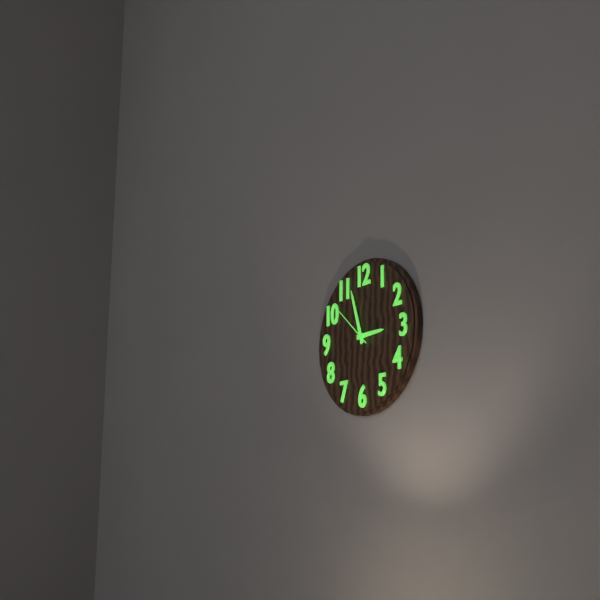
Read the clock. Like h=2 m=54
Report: h=2 m=57
